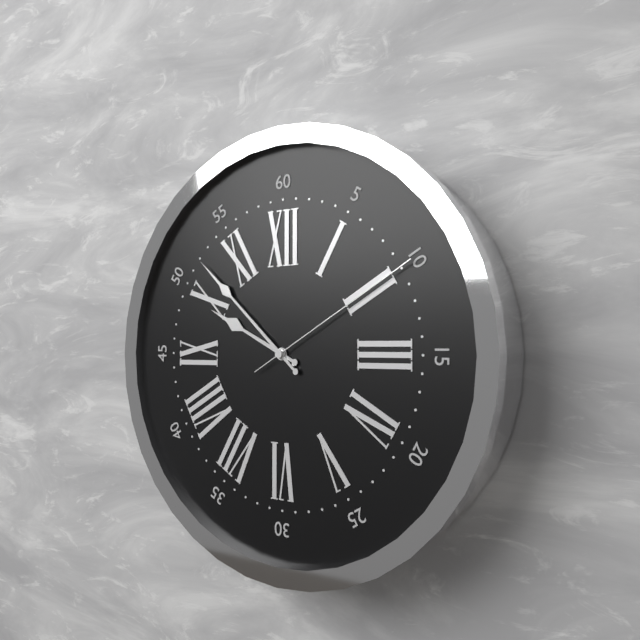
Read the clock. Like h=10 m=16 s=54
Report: h=9 m=52 s=10
